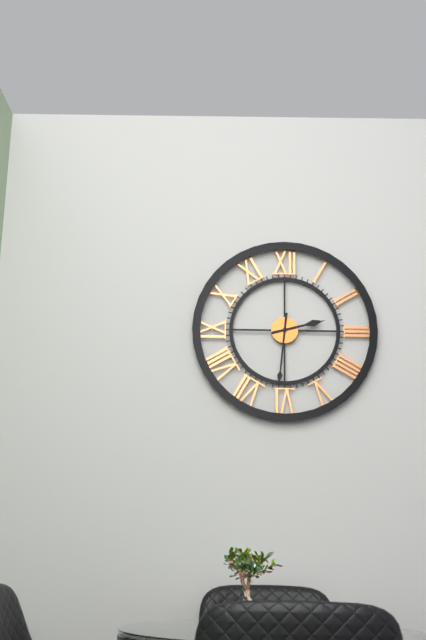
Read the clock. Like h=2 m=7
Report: h=2 m=31
